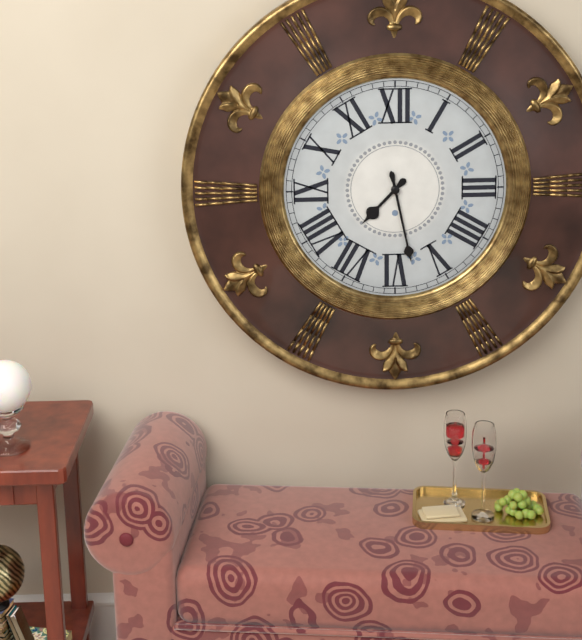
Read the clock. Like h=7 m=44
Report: h=7 m=28
